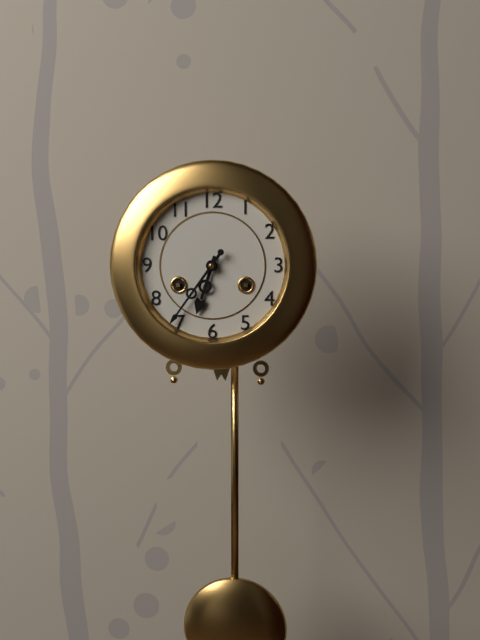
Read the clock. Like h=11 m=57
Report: h=6 m=36
